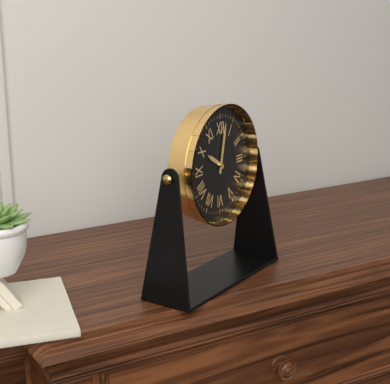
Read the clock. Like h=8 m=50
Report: h=10 m=2
